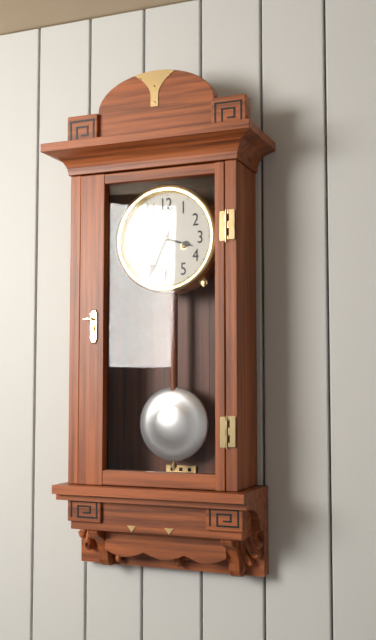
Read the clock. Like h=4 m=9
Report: h=3 m=34
